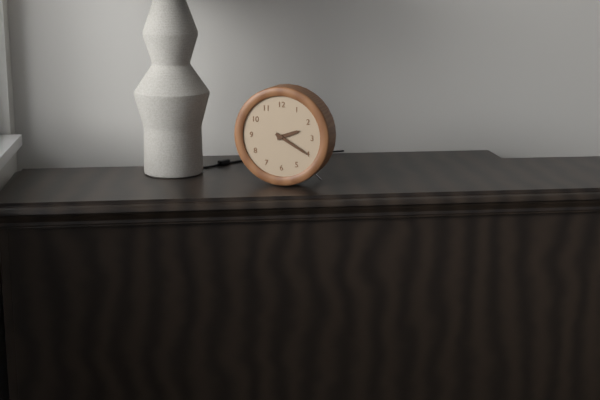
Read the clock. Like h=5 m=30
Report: h=2 m=20
